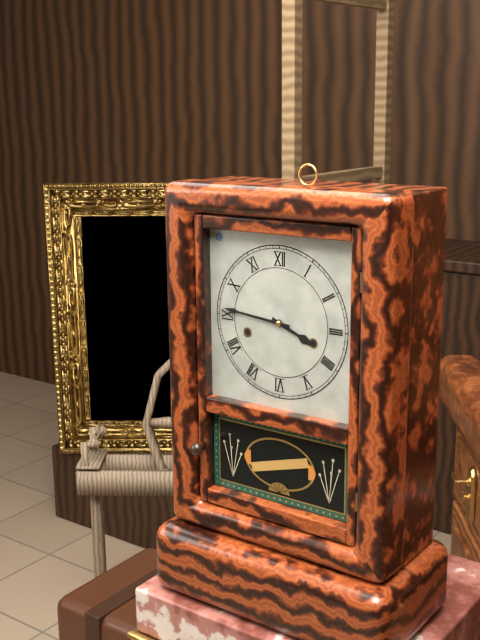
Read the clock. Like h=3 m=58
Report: h=3 m=46
